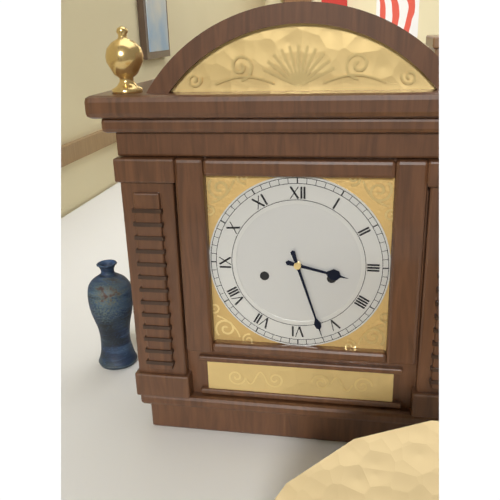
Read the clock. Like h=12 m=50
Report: h=3 m=27
